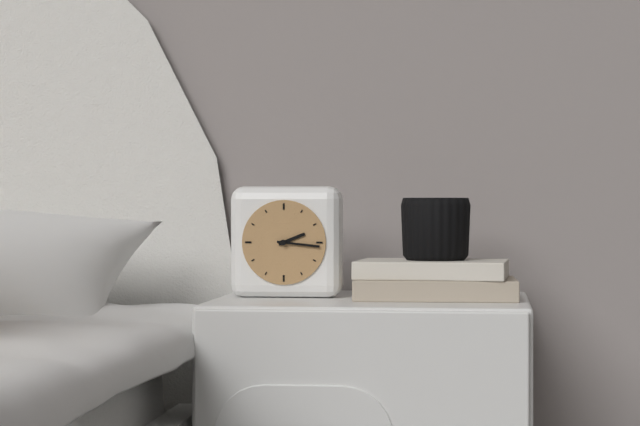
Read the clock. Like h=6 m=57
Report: h=2 m=16
